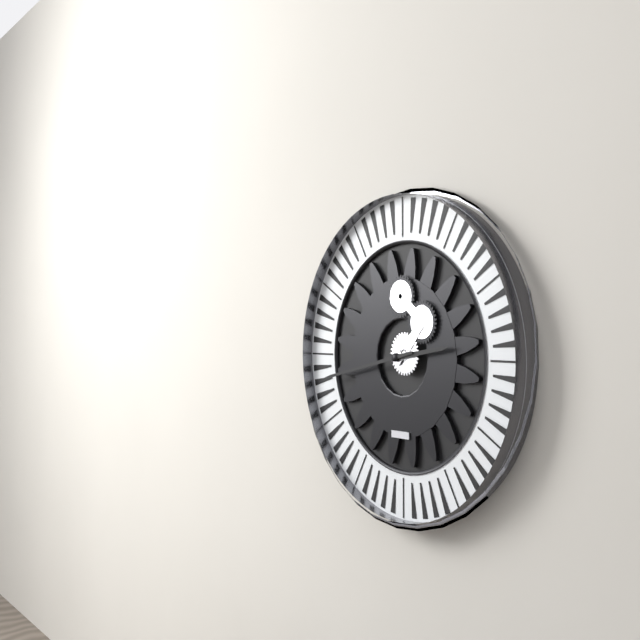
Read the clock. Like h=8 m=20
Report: h=2 m=43
